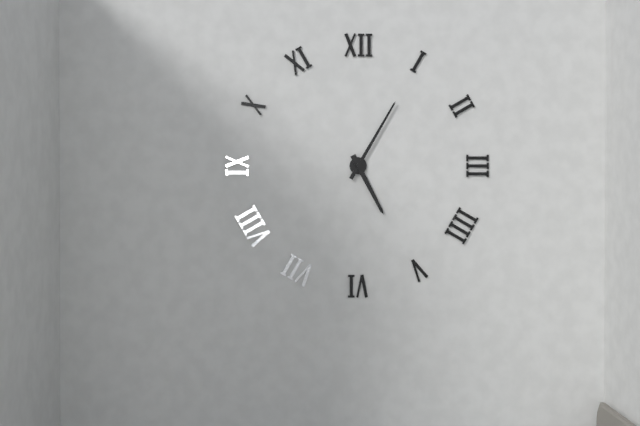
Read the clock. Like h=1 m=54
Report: h=5 m=5
